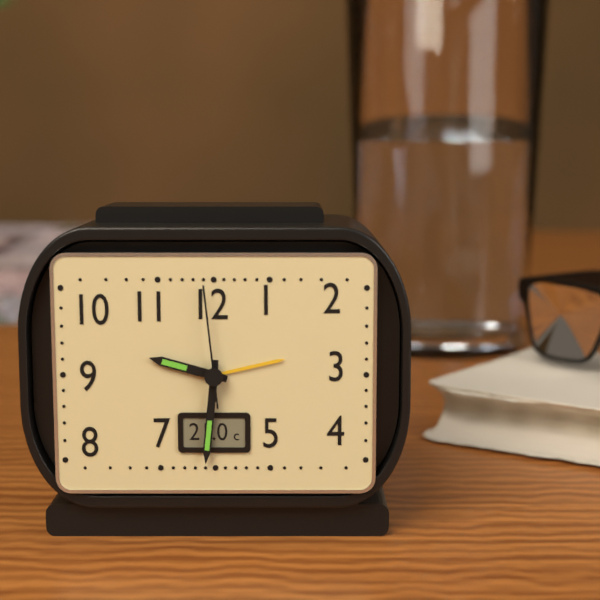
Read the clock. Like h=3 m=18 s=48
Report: h=9 m=31 s=59
